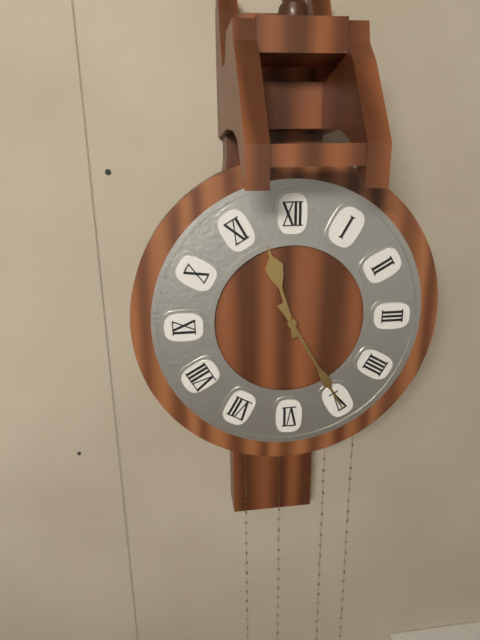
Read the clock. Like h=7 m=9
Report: h=11 m=25
